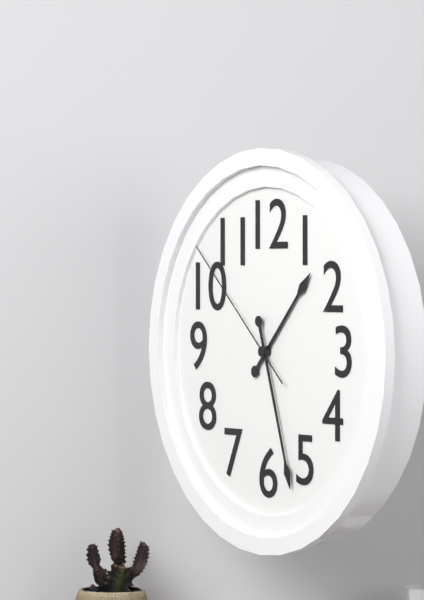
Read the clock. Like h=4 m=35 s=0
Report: h=1 m=27 s=52
